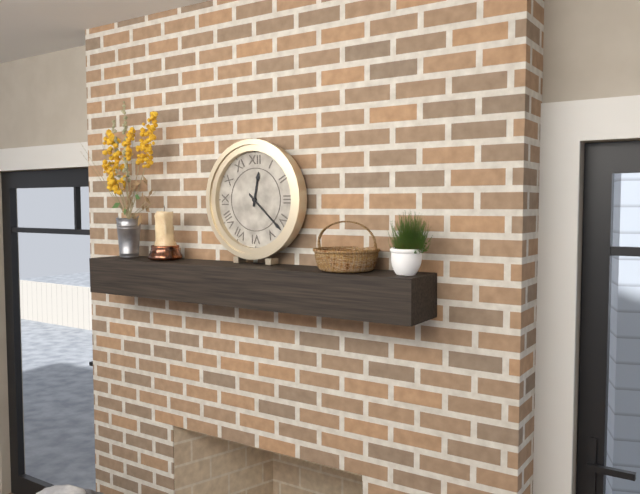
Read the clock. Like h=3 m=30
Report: h=12 m=22
